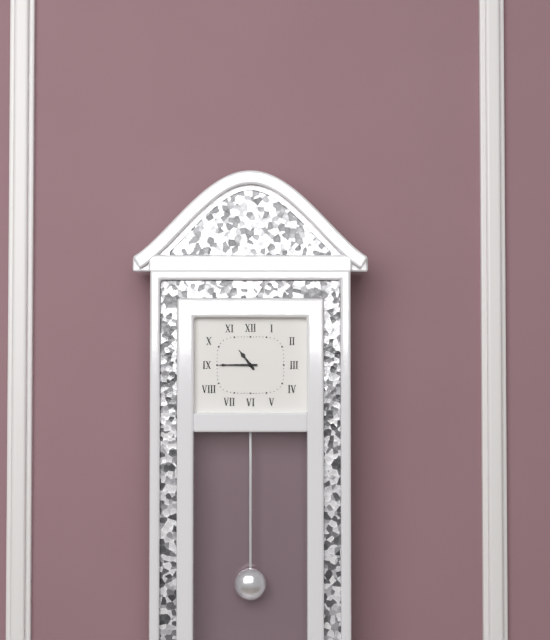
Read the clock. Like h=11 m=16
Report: h=10 m=45
